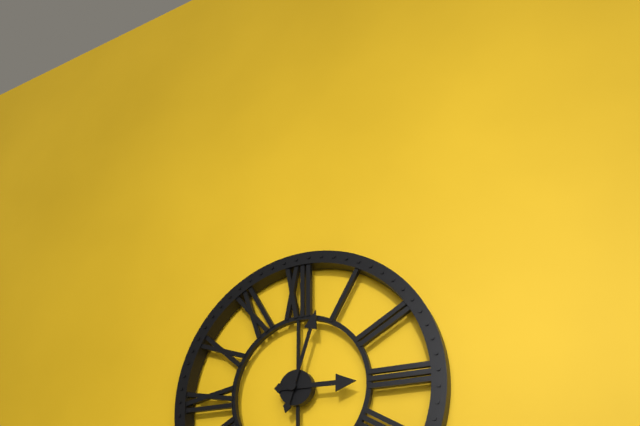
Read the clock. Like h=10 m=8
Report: h=3 m=3
